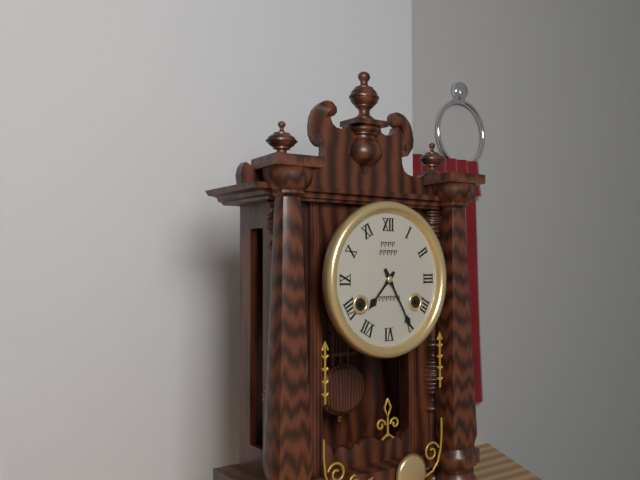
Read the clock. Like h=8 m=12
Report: h=7 m=25
